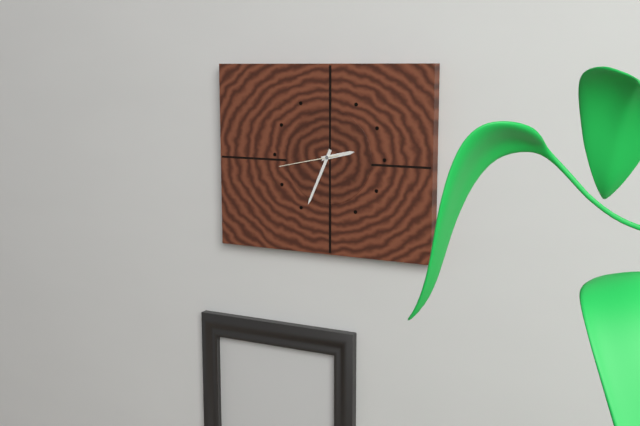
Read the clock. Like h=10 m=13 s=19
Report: h=2 m=34 s=43
